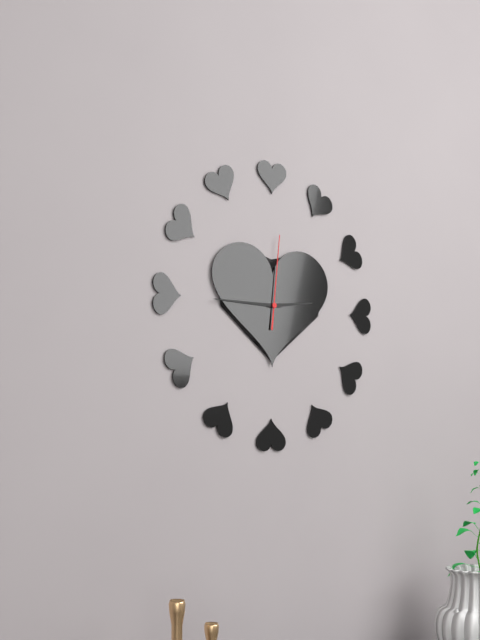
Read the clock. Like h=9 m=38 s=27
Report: h=2 m=45 s=1
